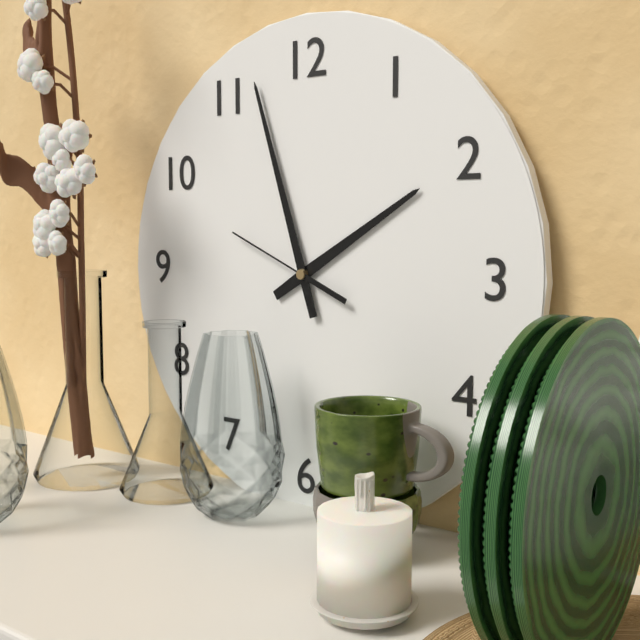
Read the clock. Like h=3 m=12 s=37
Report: h=1 m=57 s=49
